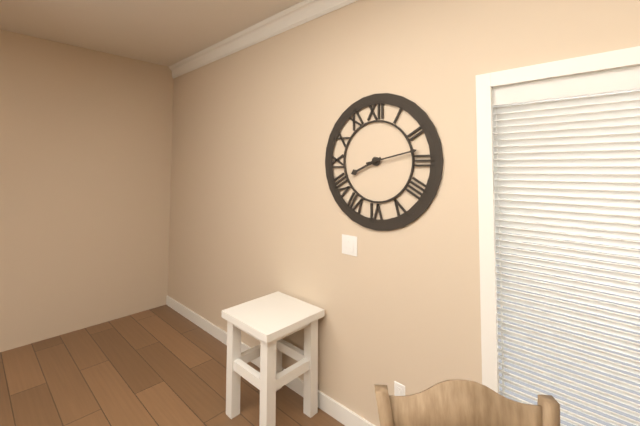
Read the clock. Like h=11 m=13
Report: h=8 m=13
